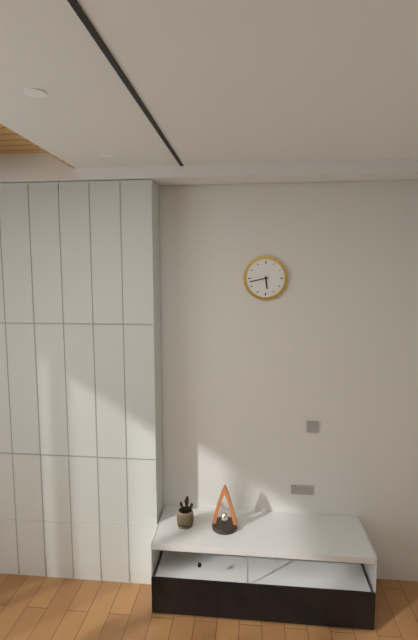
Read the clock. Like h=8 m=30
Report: h=5 m=43
